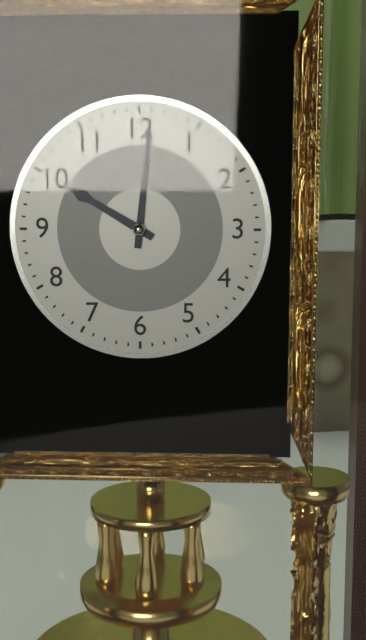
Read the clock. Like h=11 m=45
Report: h=10 m=1
